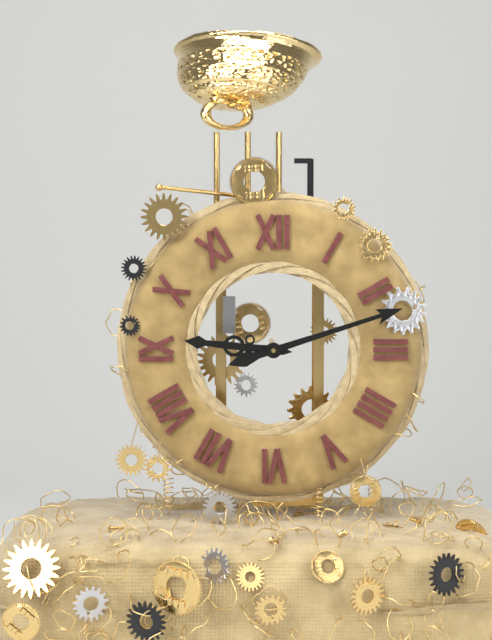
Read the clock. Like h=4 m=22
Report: h=9 m=12
